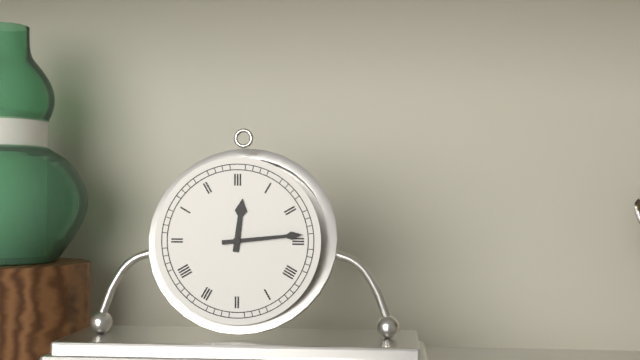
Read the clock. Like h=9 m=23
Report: h=12 m=14
